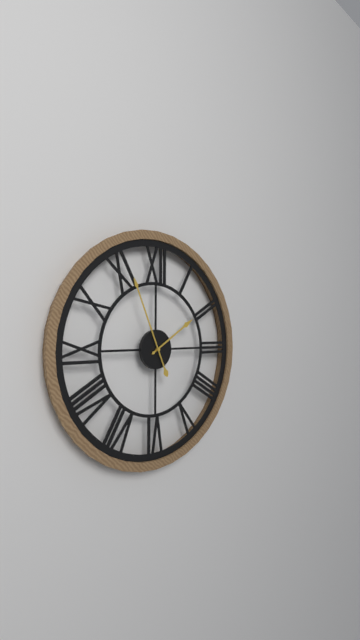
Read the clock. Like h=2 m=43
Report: h=1 m=56
